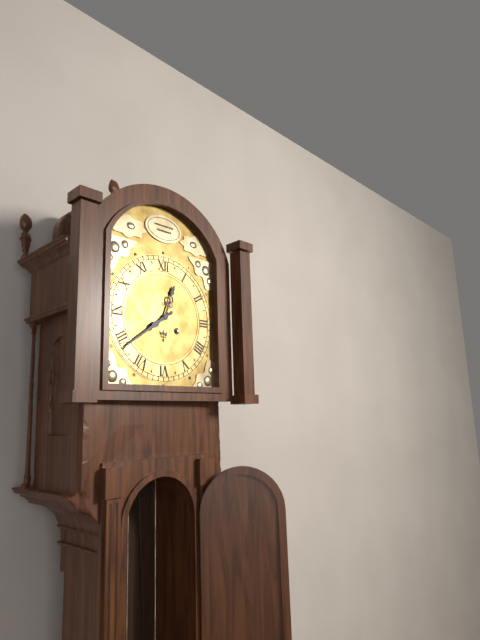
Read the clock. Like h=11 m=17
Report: h=12 m=39
